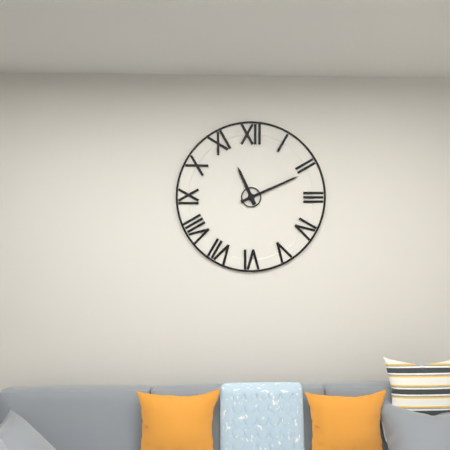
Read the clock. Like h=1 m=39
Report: h=11 m=11
